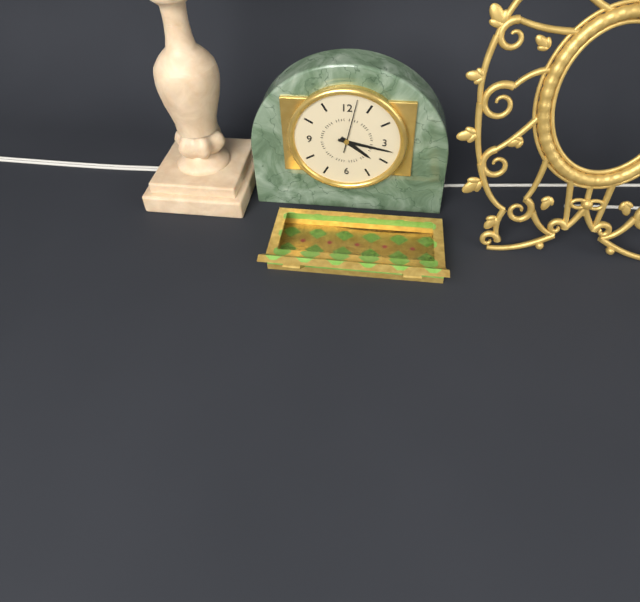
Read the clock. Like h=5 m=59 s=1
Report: h=4 m=17 s=2
